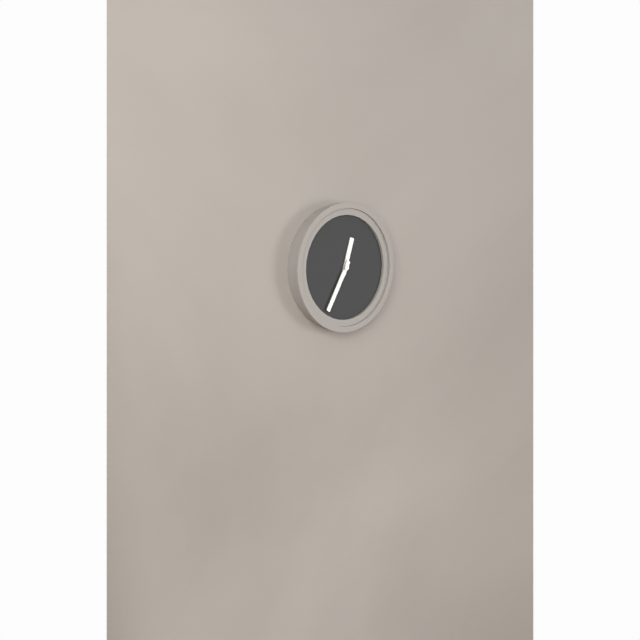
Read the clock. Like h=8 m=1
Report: h=12 m=35
